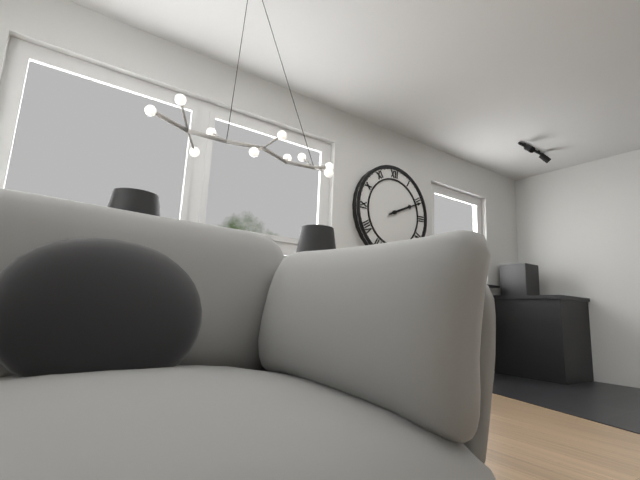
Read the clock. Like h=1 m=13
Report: h=2 m=11
